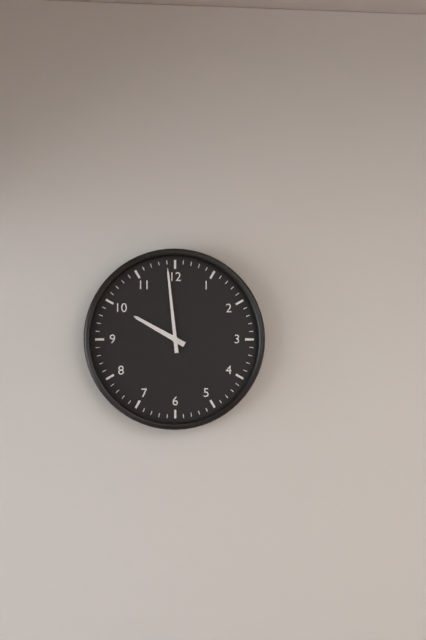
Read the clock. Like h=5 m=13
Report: h=9 m=59
